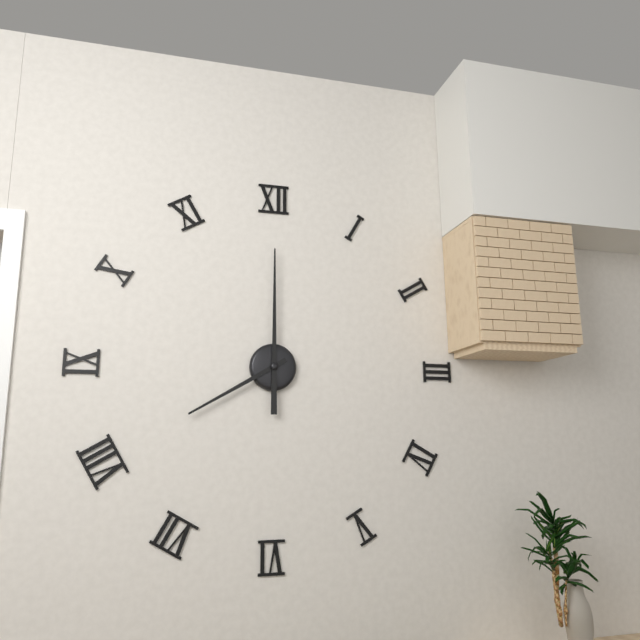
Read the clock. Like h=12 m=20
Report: h=8 m=0
